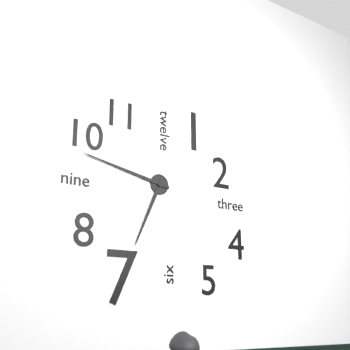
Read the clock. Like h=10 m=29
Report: h=6 m=47
